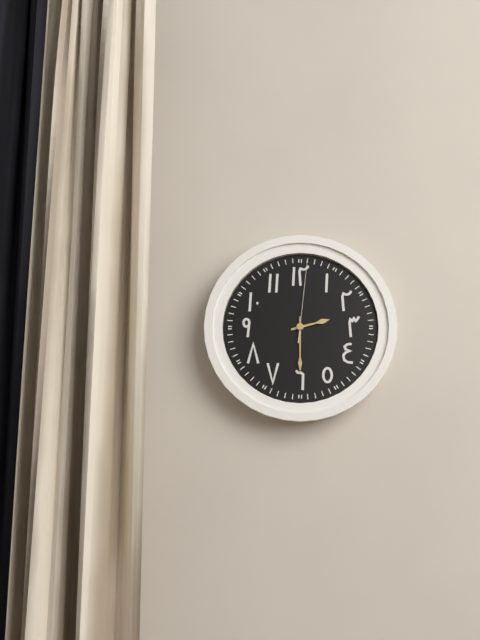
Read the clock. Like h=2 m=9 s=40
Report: h=2 m=30 s=1
